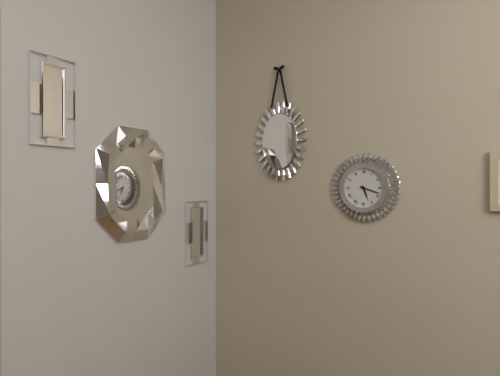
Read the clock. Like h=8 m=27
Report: h=5 m=18
